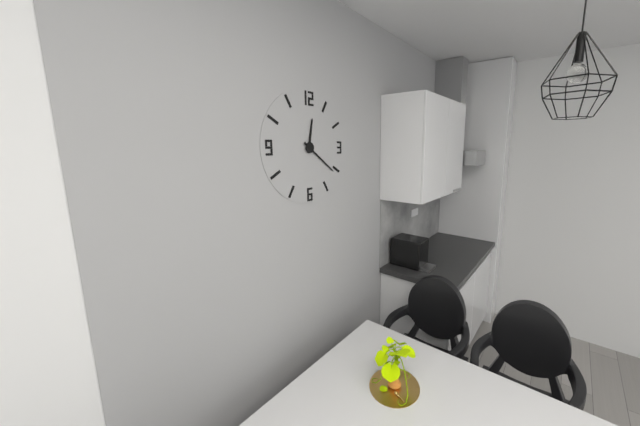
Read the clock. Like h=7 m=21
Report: h=12 m=21
